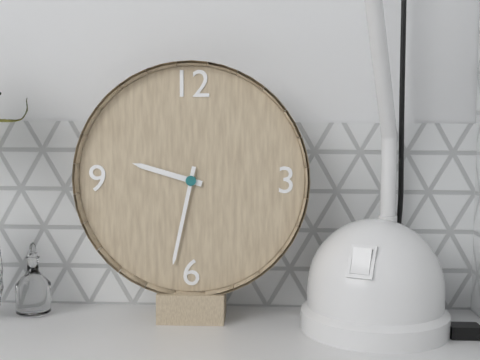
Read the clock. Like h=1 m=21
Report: h=9 m=32
